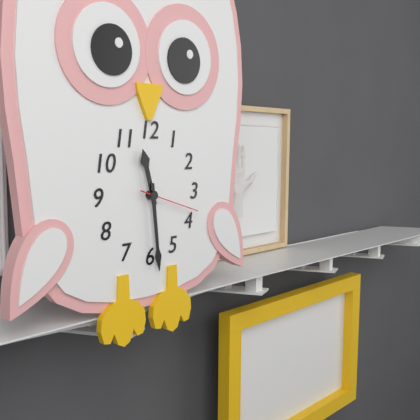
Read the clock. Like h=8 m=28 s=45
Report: h=11 m=29 s=18
